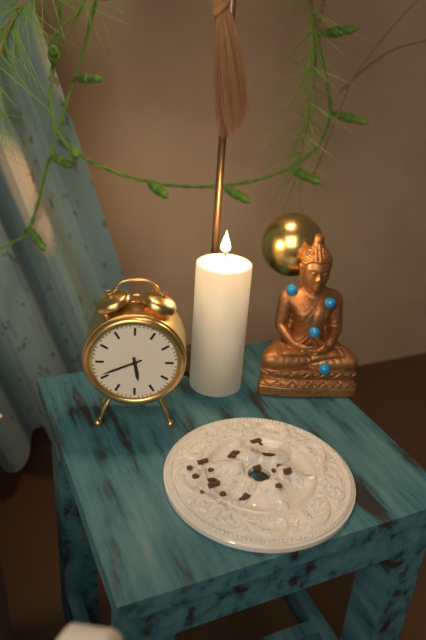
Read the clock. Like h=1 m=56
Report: h=5 m=41
